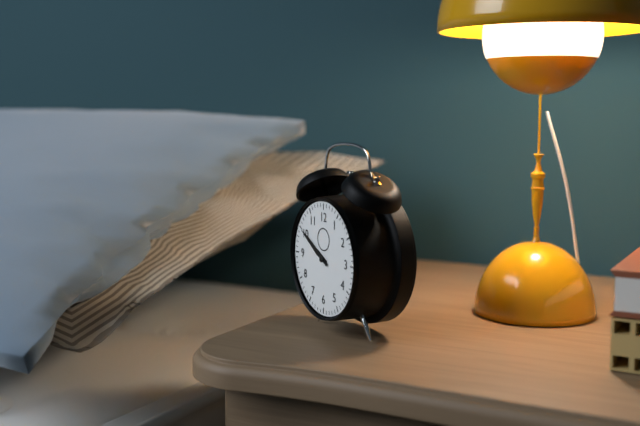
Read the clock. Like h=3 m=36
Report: h=9 m=50
